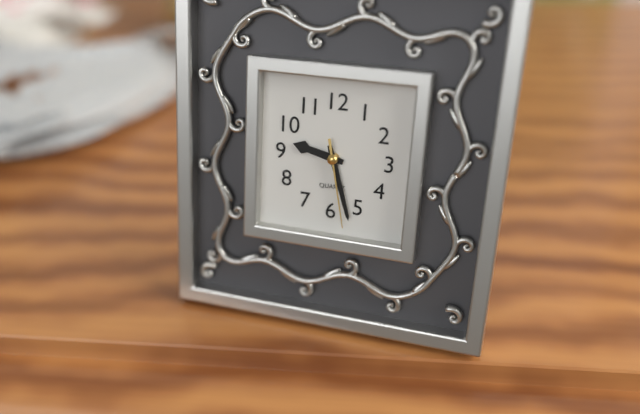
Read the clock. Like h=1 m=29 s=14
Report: h=9 m=27 s=28
